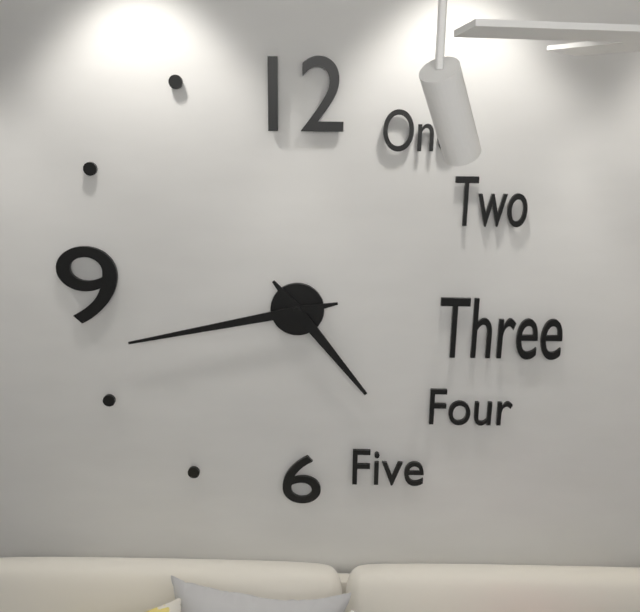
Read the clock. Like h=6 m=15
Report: h=4 m=43
